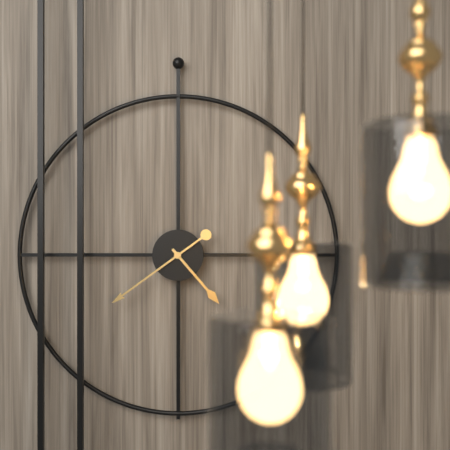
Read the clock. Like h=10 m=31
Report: h=4 m=39
